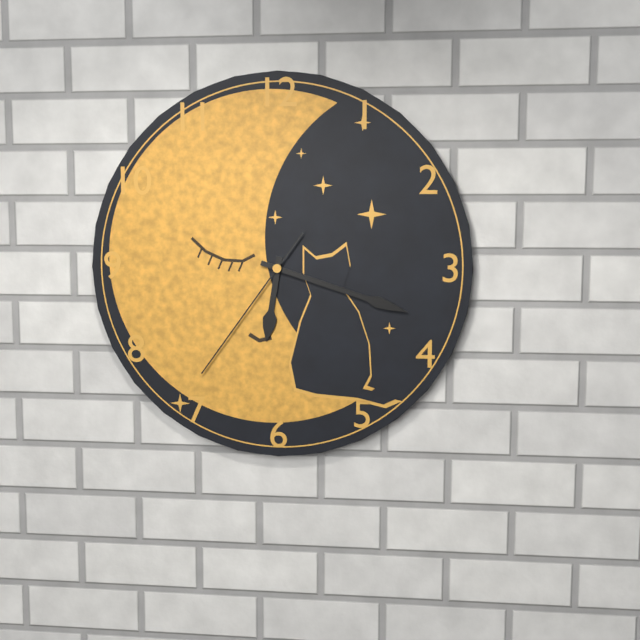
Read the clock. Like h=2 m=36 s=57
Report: h=6 m=18 s=36
